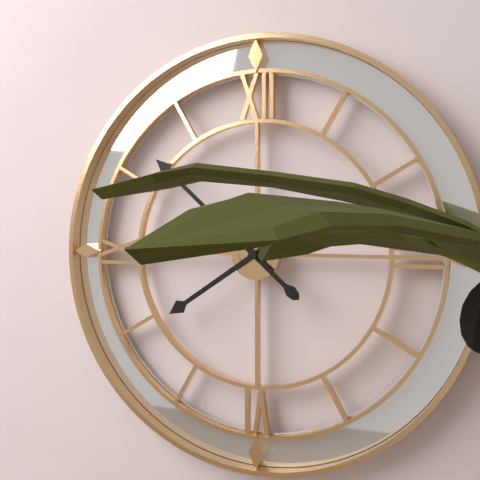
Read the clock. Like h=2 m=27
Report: h=7 m=52
